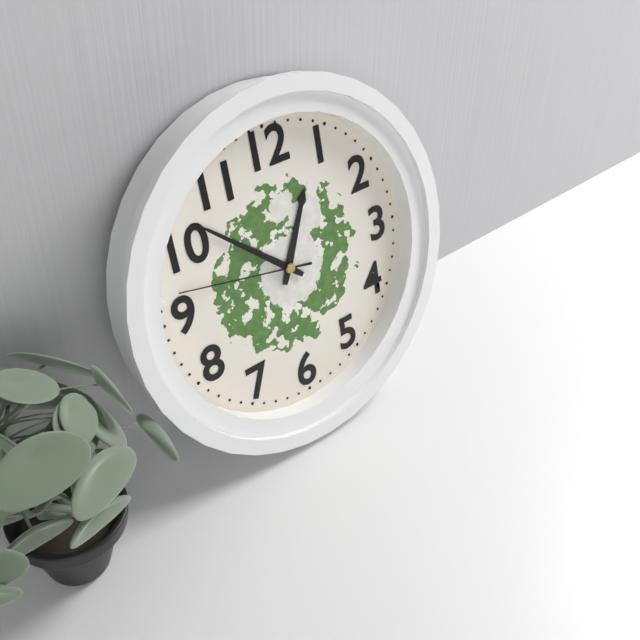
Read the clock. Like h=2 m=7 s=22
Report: h=12 m=52 s=47
